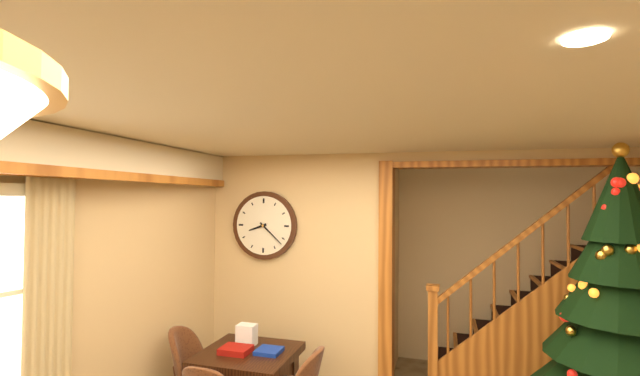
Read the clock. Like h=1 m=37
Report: h=8 m=22
